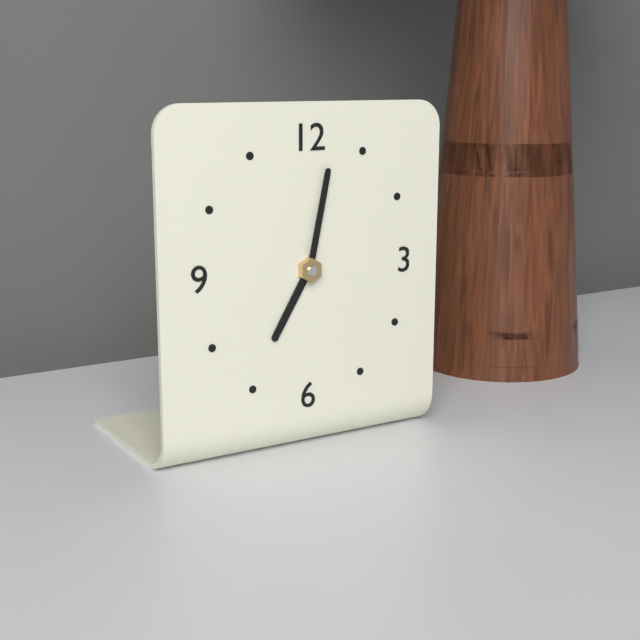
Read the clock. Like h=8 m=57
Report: h=7 m=2
